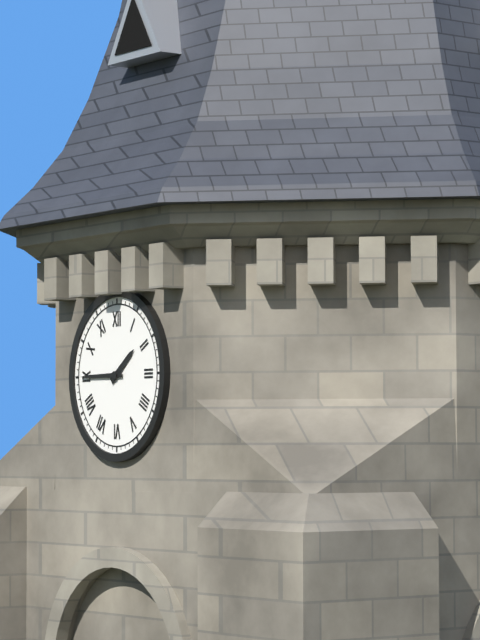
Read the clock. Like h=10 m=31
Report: h=1 m=45
